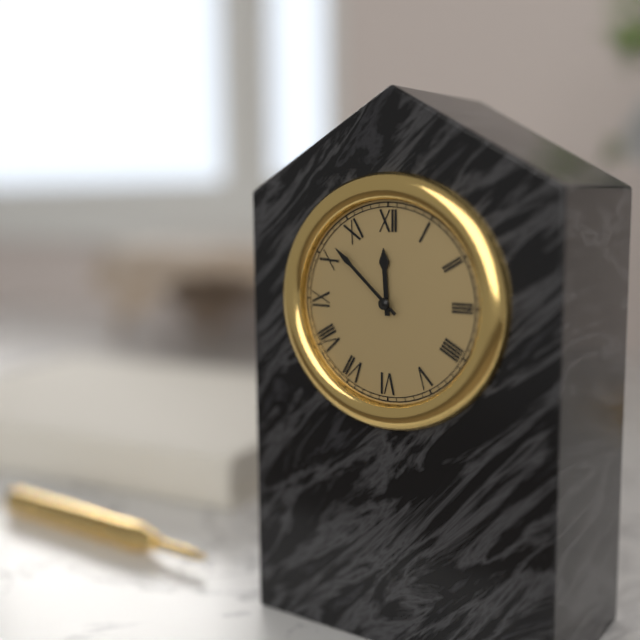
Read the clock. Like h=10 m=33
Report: h=11 m=52
